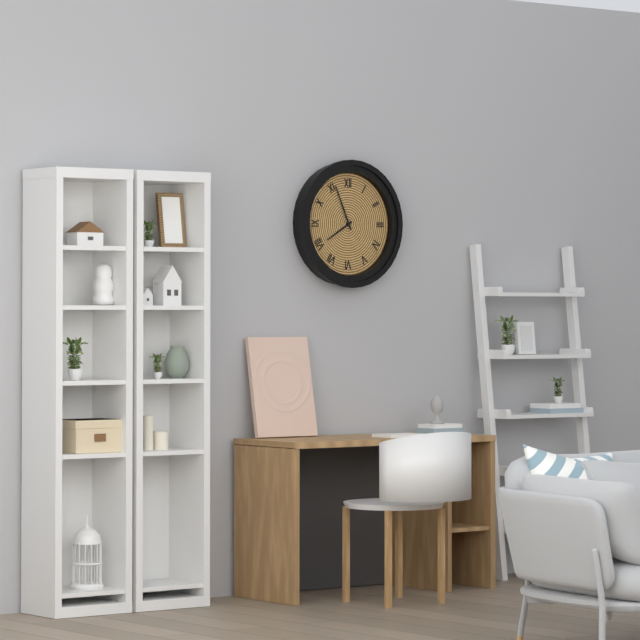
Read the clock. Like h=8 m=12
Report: h=7 m=56
